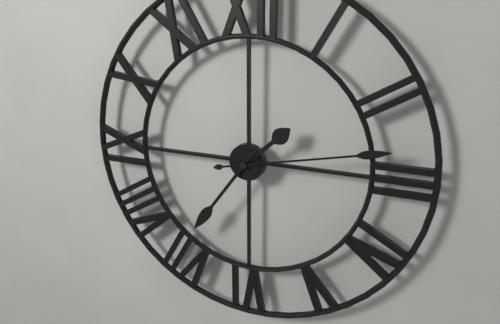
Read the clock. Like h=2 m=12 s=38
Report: h=1 m=36 s=13
